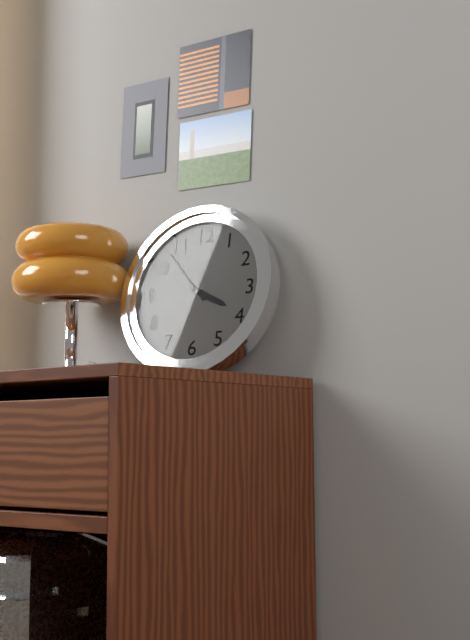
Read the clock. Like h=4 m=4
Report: h=3 m=53
